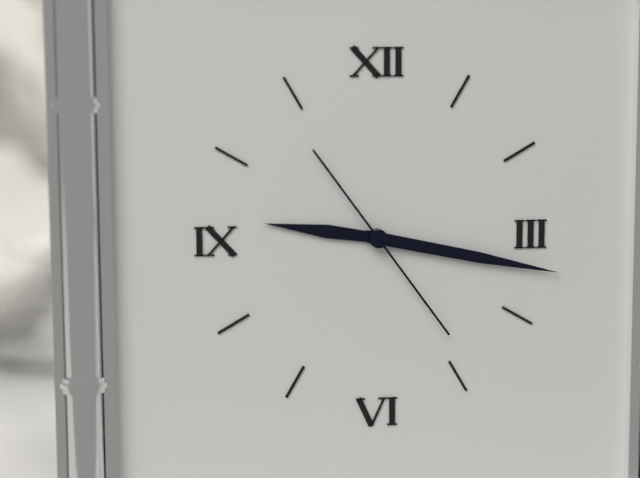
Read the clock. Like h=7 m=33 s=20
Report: h=9 m=17 s=24
